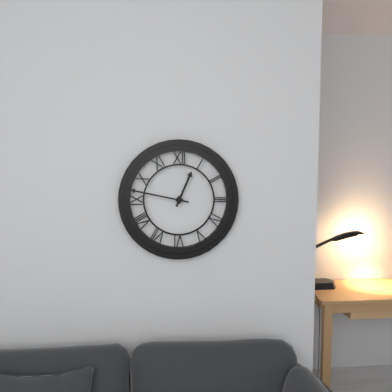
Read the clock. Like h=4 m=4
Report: h=12 m=47
